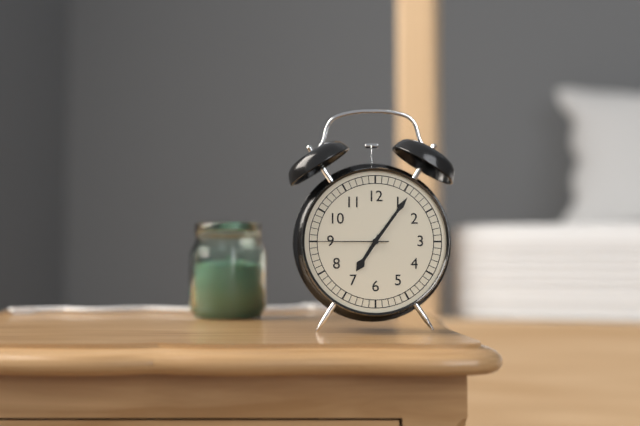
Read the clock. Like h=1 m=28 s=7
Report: h=7 m=6 s=45
